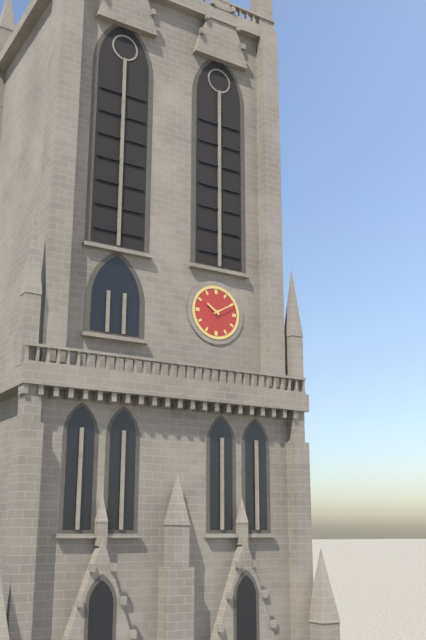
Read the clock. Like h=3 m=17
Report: h=10 m=10
